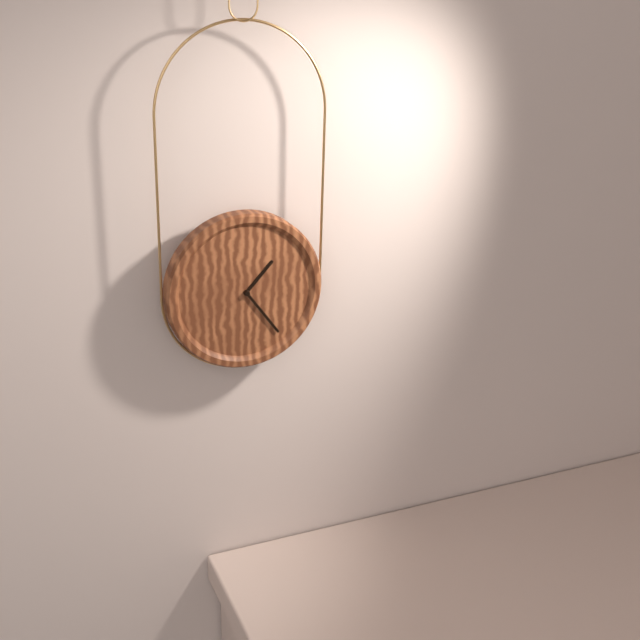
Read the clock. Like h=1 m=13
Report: h=1 m=24
